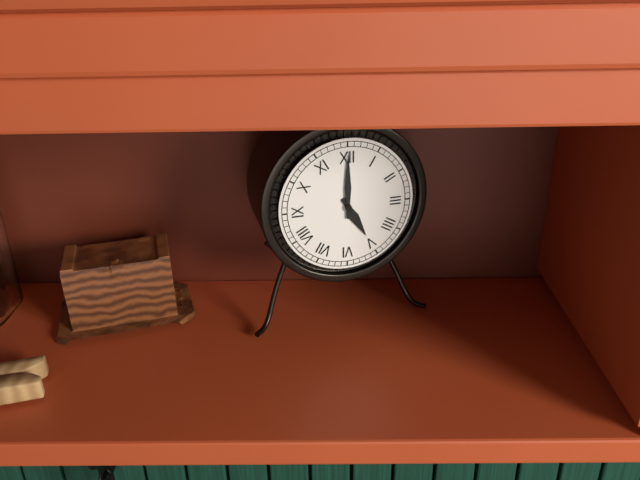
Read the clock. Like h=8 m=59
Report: h=5 m=0
